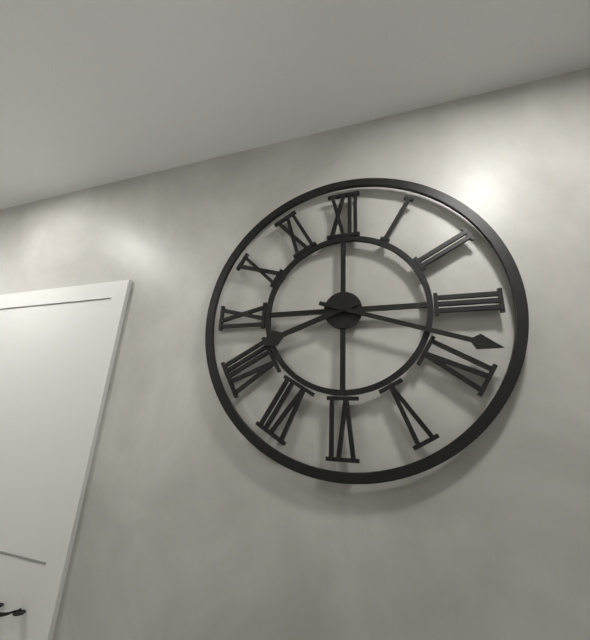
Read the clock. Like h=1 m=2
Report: h=8 m=18
